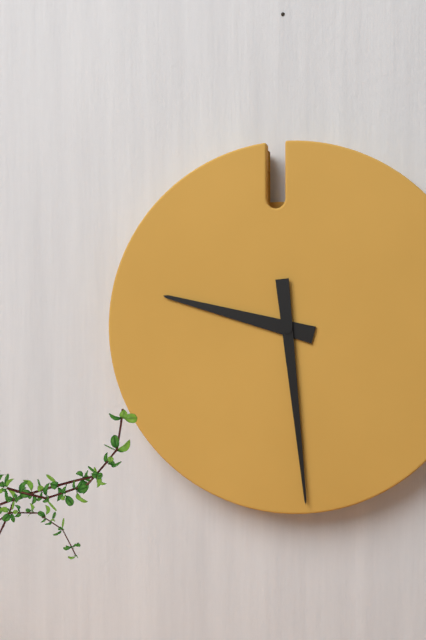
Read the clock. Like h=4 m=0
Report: h=9 m=29
